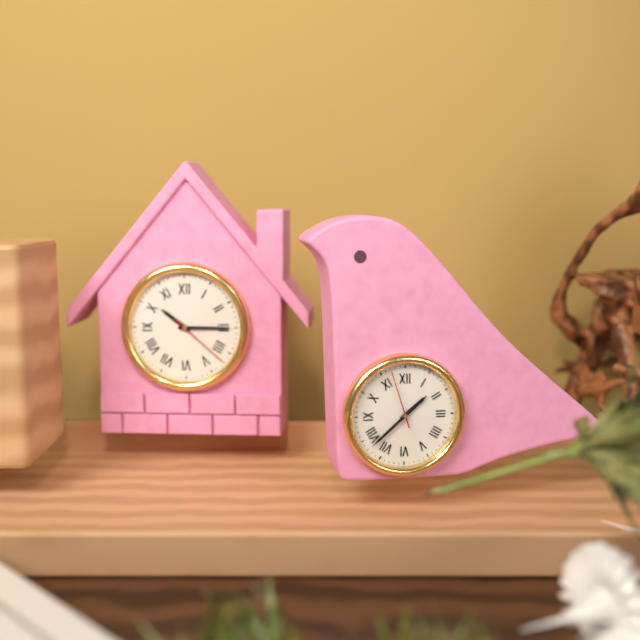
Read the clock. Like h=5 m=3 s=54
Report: h=1 m=38 s=57
